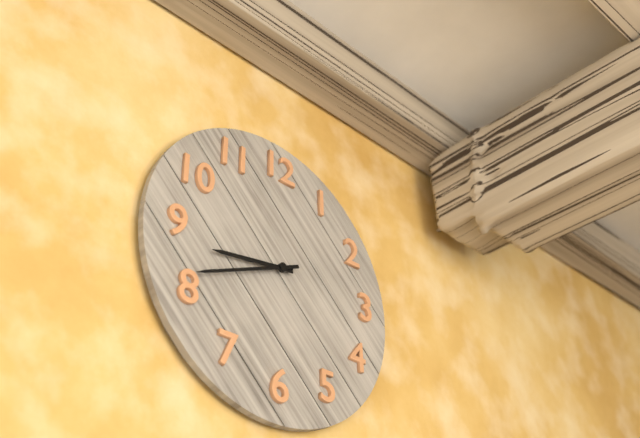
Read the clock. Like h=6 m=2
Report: h=8 m=41
